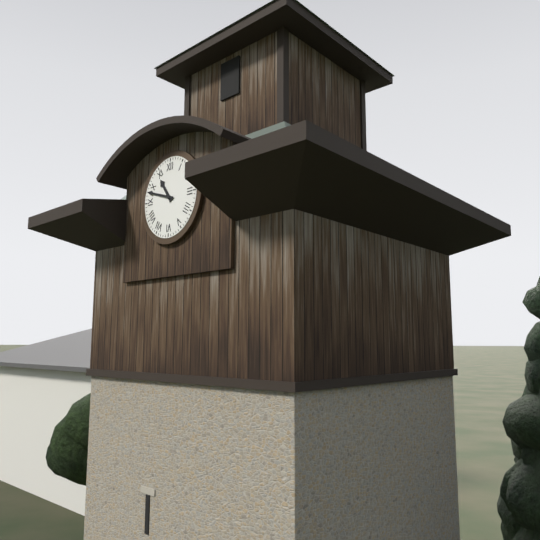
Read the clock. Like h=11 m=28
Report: h=10 m=48
